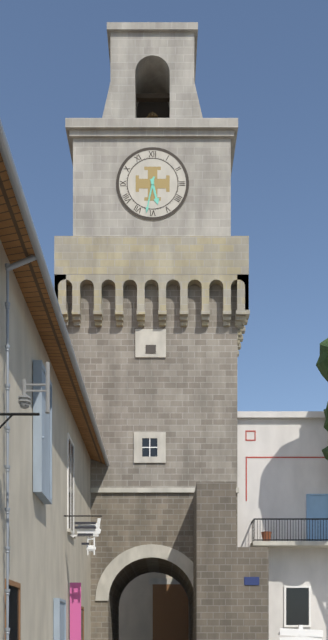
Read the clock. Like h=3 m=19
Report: h=5 m=32
